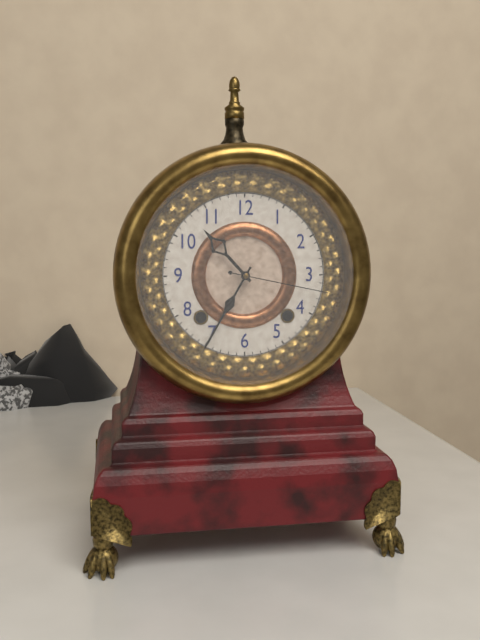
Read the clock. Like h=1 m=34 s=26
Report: h=10 m=35 s=17
